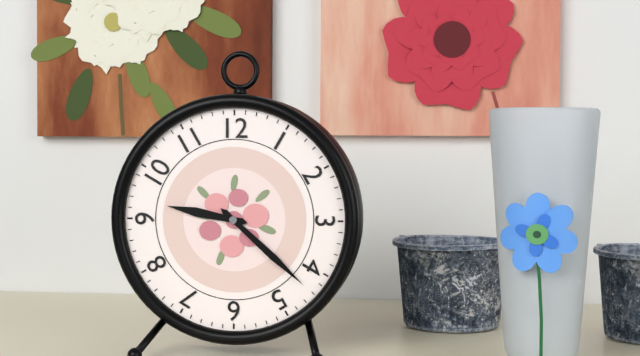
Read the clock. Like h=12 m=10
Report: h=9 m=22
